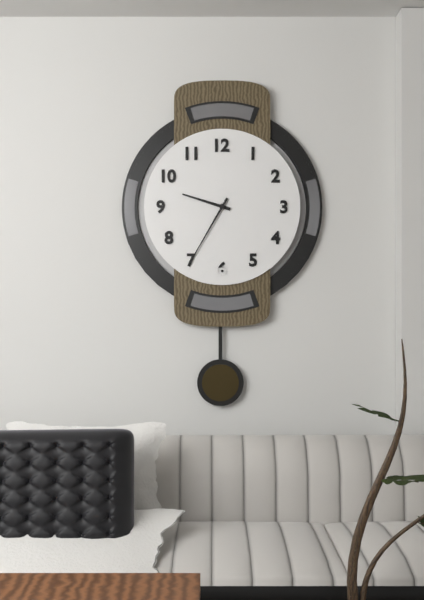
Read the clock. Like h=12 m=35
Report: h=9 m=35
